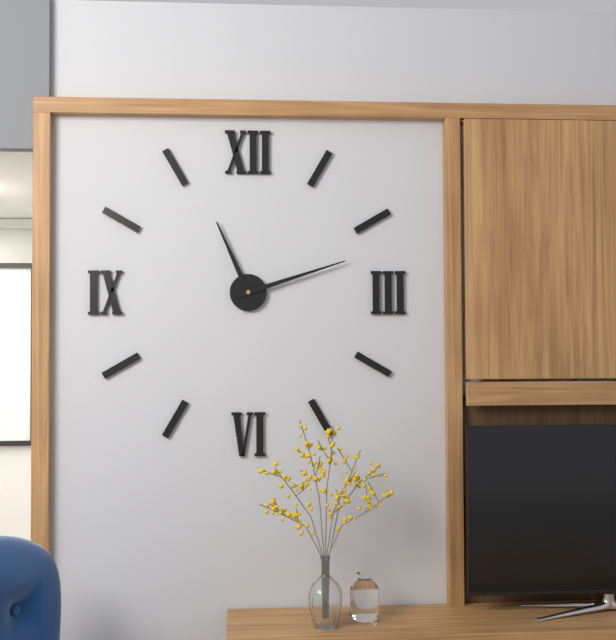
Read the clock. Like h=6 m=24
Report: h=11 m=12
